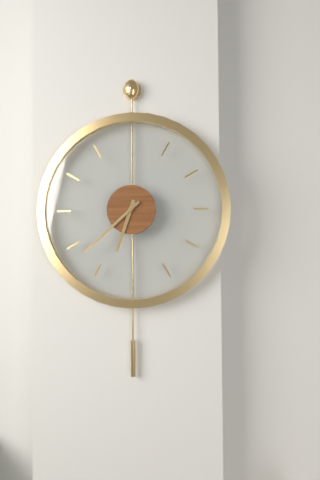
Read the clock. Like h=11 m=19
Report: h=6 m=38
